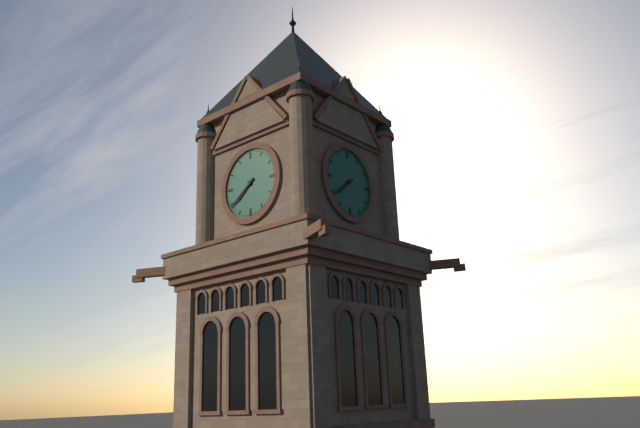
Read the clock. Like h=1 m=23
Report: h=7 m=39
